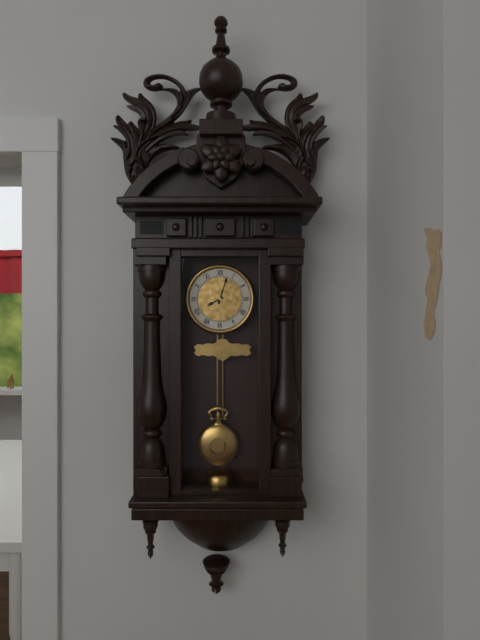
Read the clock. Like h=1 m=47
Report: h=8 m=3
